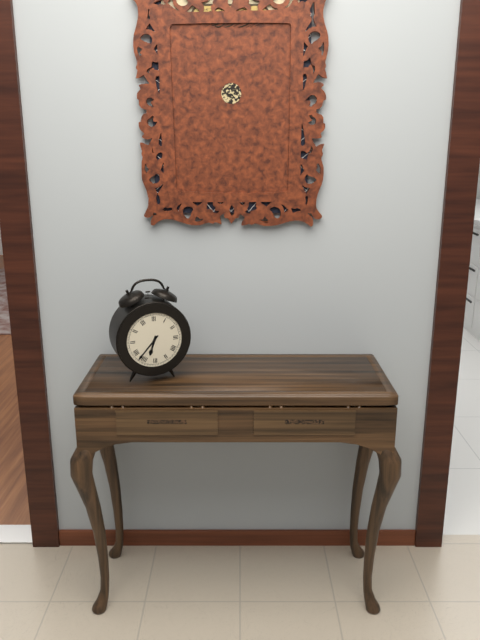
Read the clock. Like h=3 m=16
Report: h=6 m=37
